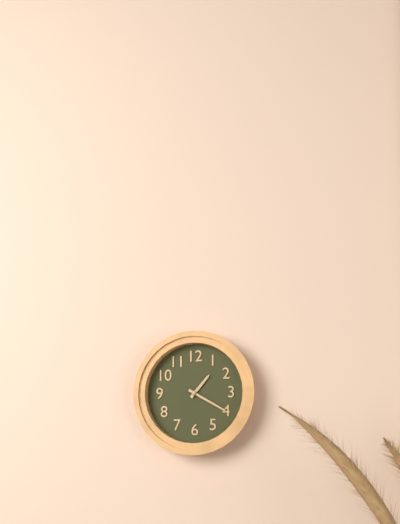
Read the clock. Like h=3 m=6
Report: h=1 m=20
